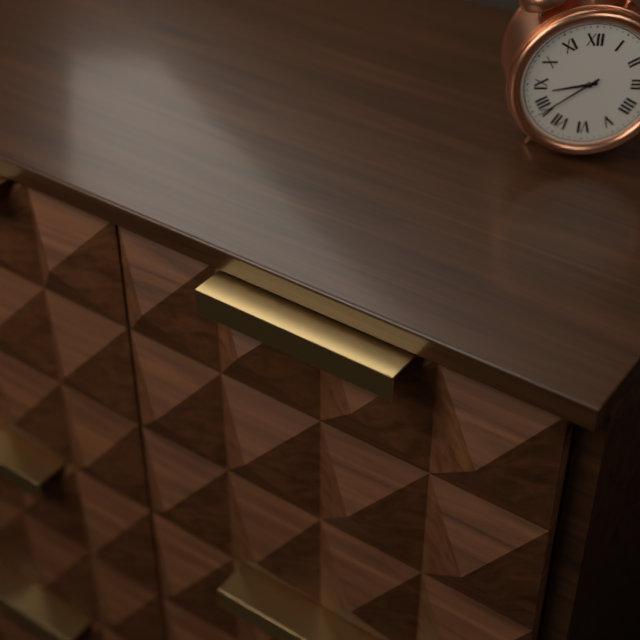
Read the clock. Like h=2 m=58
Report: h=8 m=39
